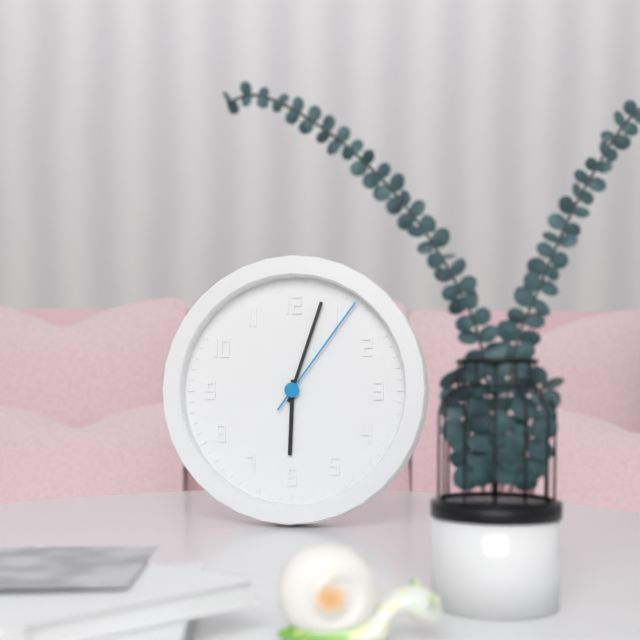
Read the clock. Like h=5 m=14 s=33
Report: h=6 m=3 s=6
